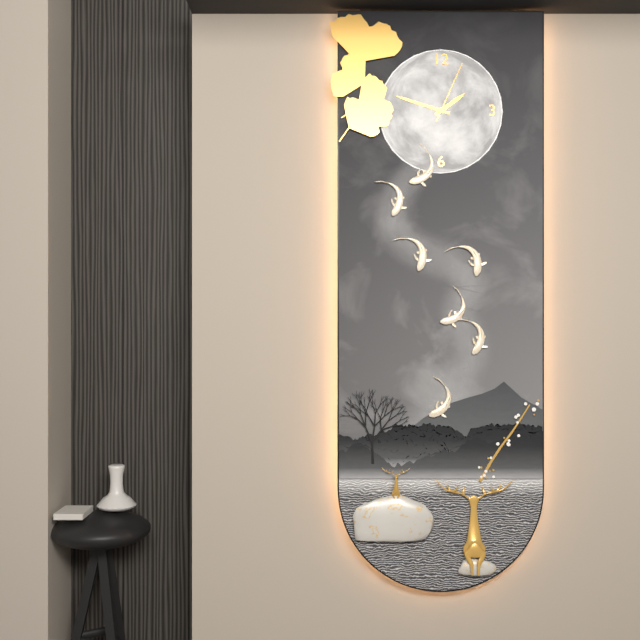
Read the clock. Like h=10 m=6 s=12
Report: h=1 m=48 s=4
